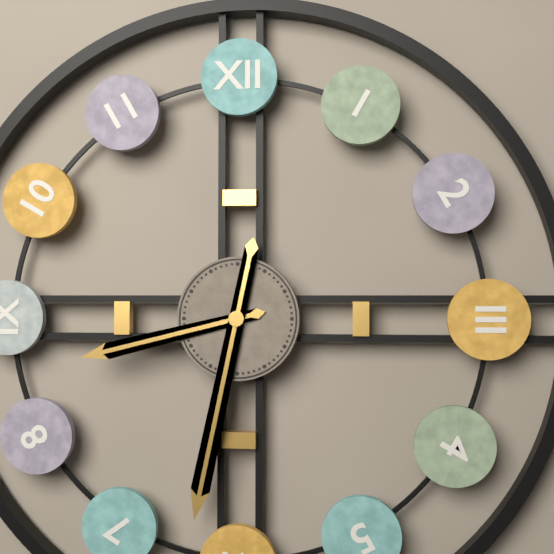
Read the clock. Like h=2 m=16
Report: h=8 m=32
